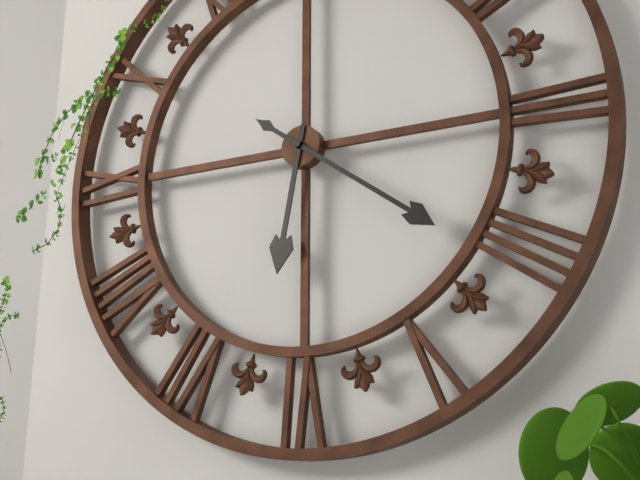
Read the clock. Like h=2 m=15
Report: h=6 m=21
